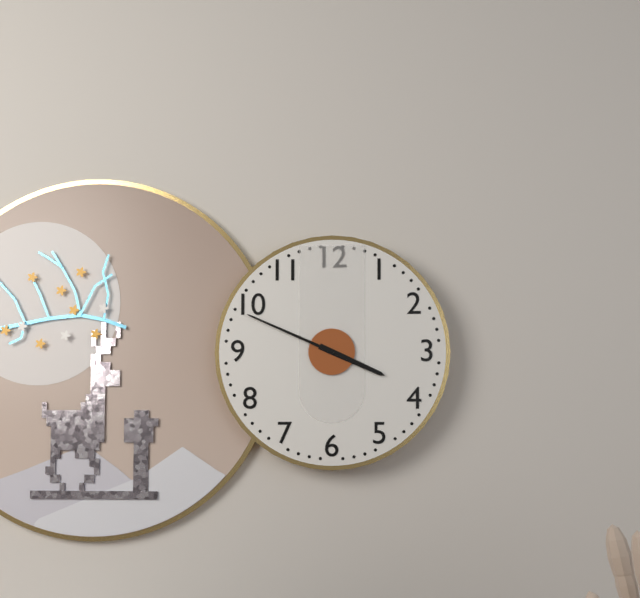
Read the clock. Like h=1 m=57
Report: h=3 m=49
